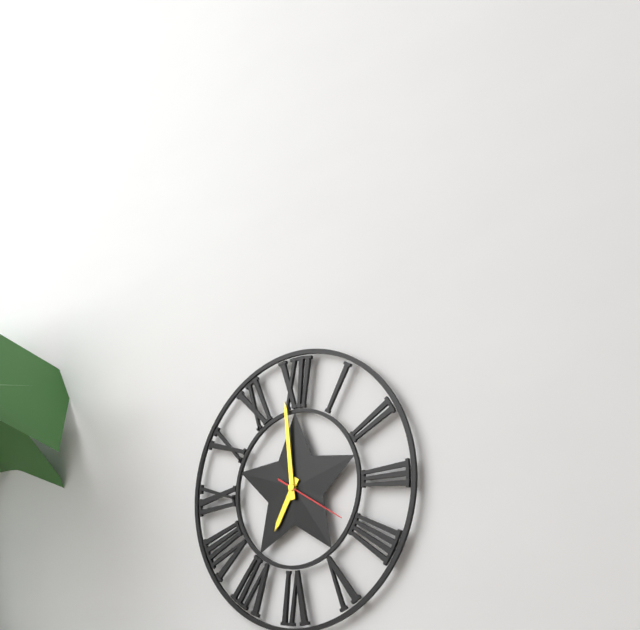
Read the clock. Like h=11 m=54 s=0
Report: h=6 m=59 s=20
